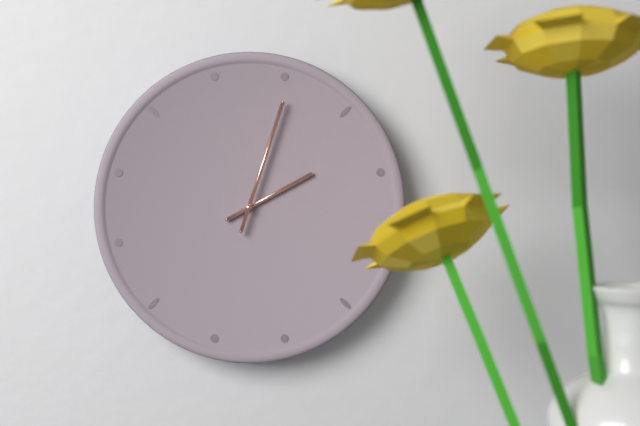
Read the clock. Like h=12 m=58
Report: h=2 m=3
